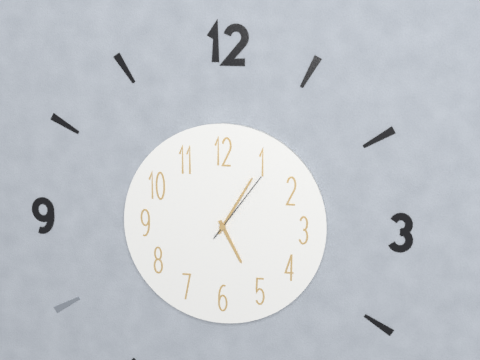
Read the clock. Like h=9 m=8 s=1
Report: h=5 m=5 s=6
